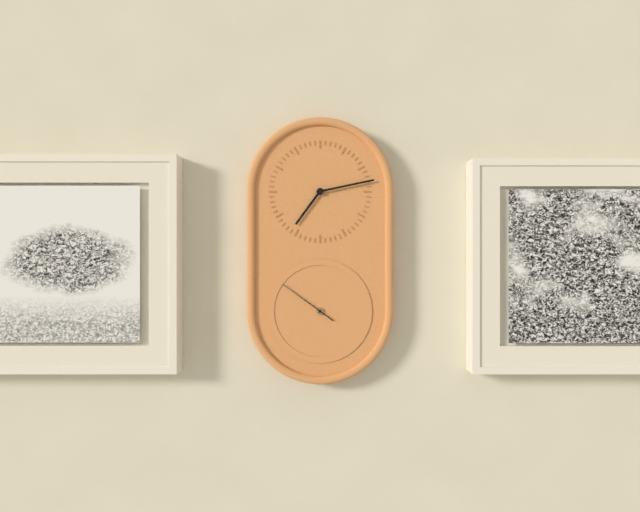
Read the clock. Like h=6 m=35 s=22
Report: h=7 m=13 s=51
